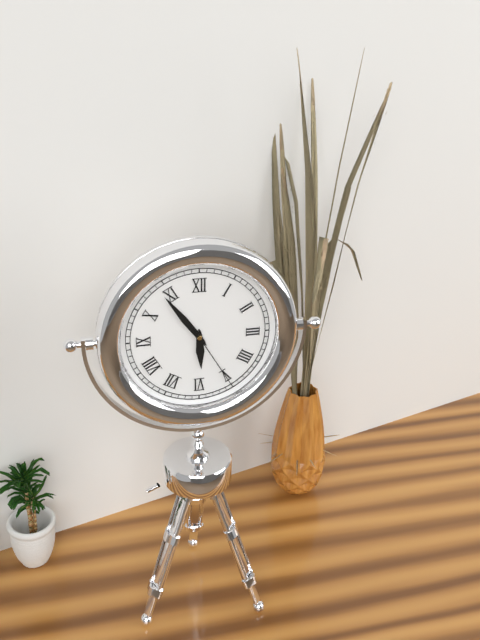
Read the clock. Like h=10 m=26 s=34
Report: h=5 m=54 s=25
